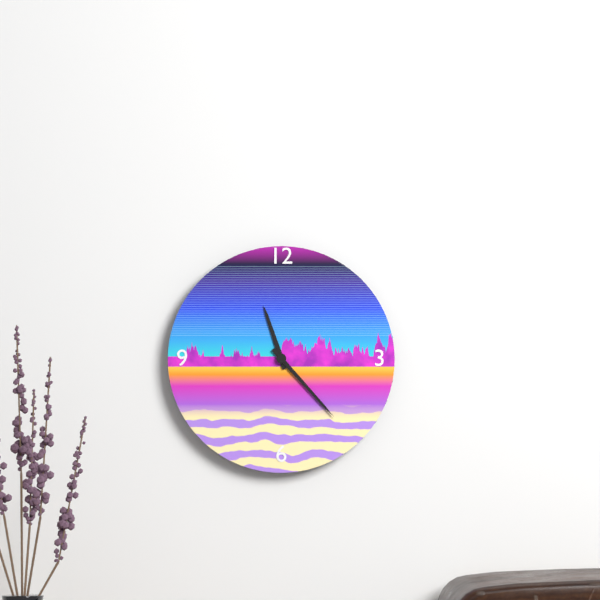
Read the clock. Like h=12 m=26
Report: h=11 m=23
